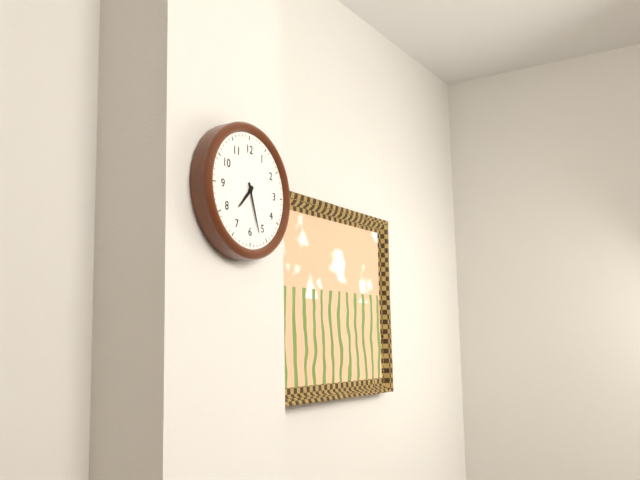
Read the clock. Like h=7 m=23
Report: h=7 m=27
